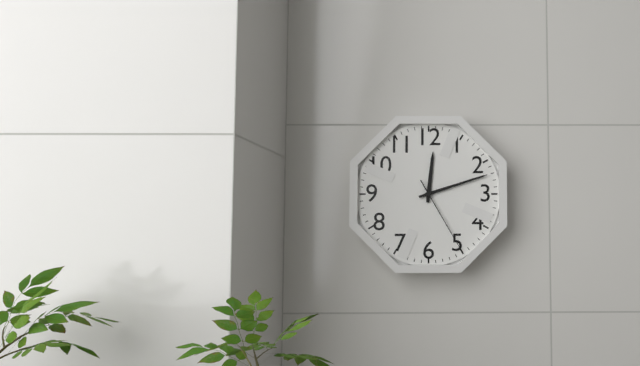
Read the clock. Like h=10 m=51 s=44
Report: h=12 m=12 s=25
